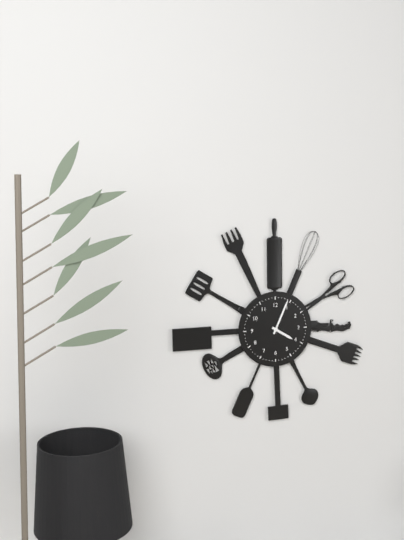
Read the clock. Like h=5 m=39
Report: h=4 m=4
